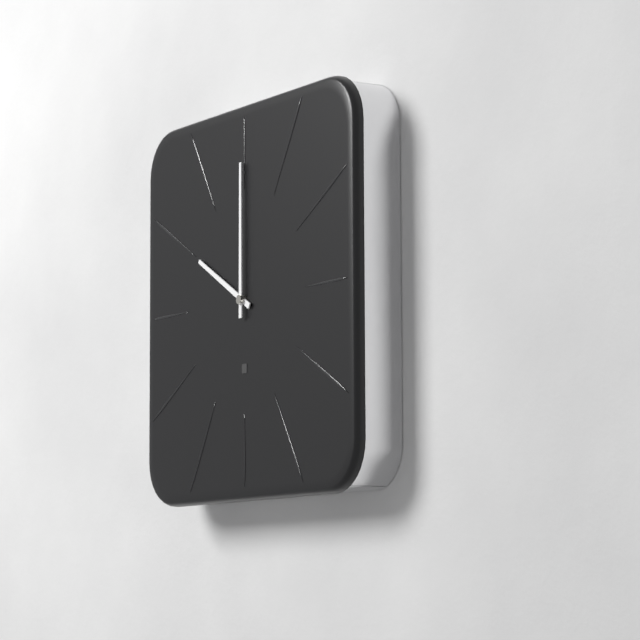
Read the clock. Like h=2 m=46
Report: h=10 m=0
